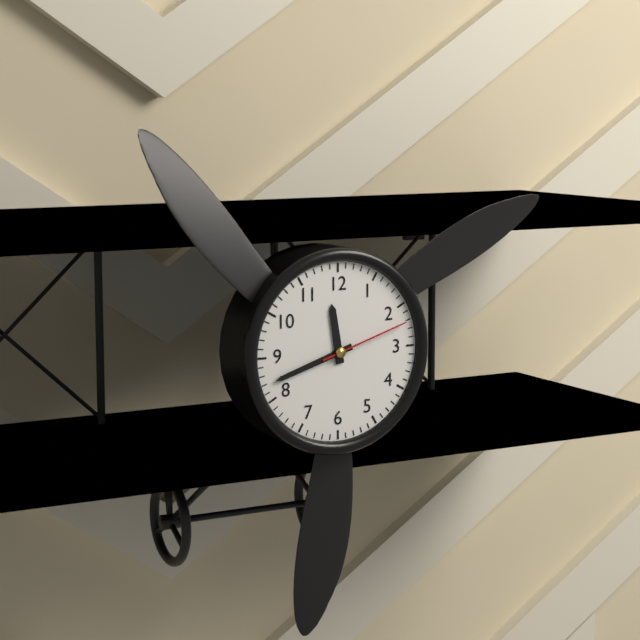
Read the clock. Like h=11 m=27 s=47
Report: h=11 m=42 s=12
